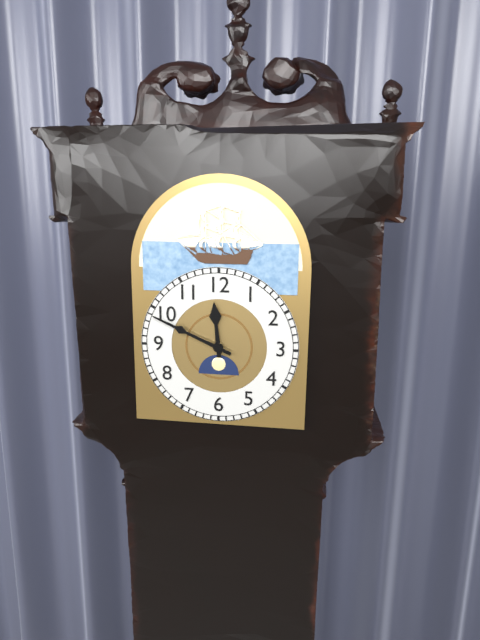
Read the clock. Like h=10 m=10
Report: h=11 m=49
